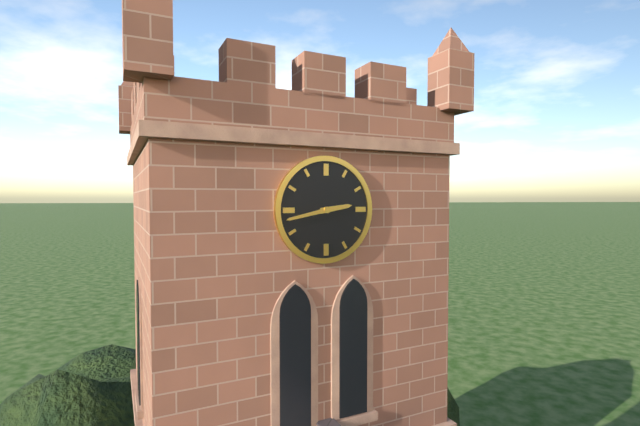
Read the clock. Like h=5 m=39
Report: h=2 m=43
